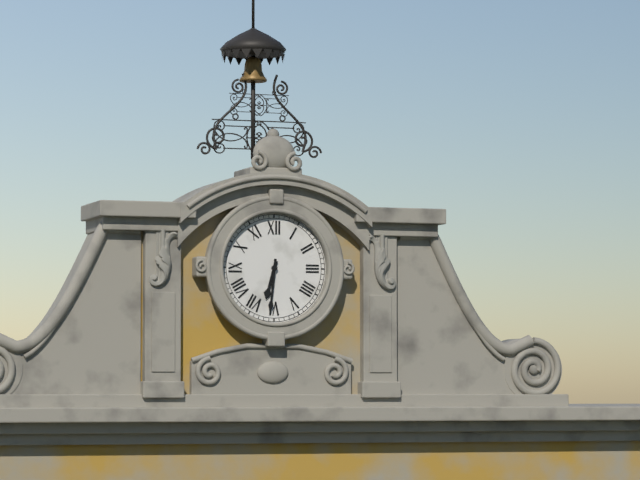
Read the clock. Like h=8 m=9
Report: h=6 m=31
